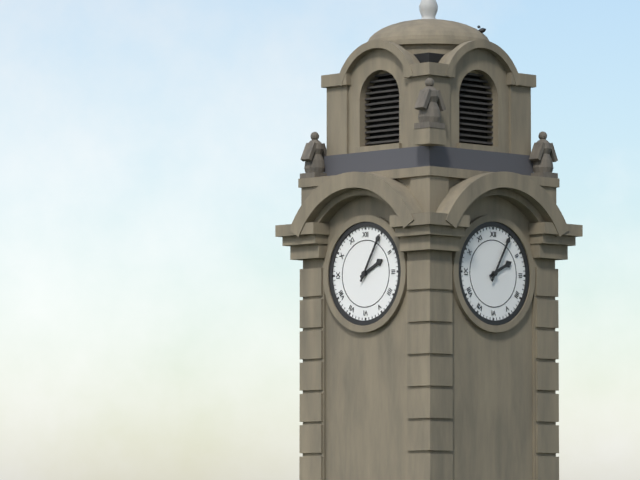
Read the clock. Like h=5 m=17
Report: h=2 m=5
